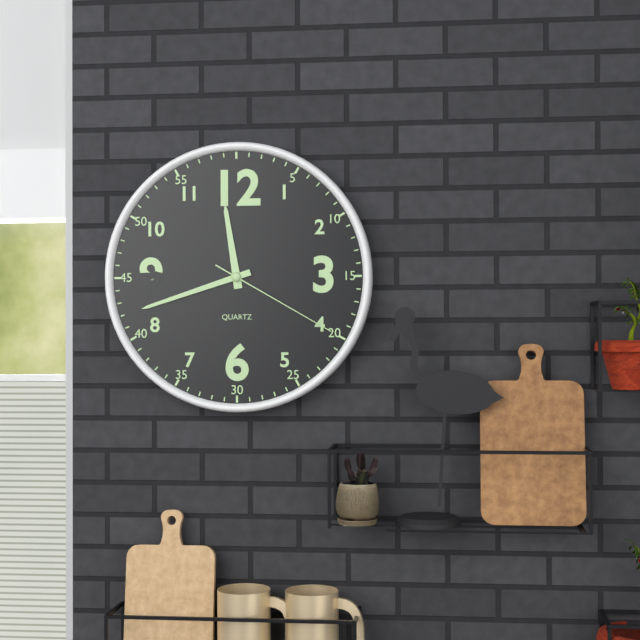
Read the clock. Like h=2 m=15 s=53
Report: h=11 m=42 s=20
